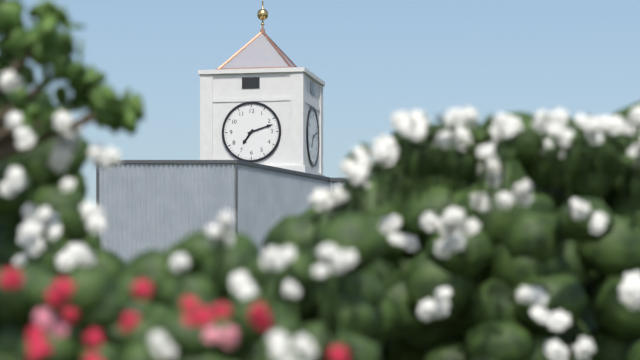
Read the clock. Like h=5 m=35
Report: h=7 m=12
